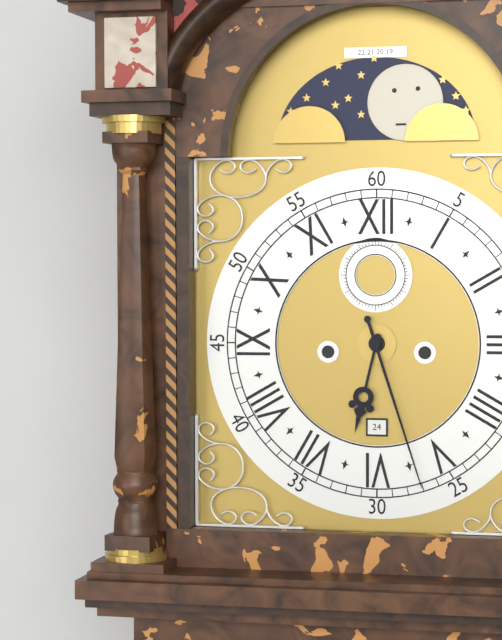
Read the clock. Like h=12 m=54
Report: h=6 m=27
